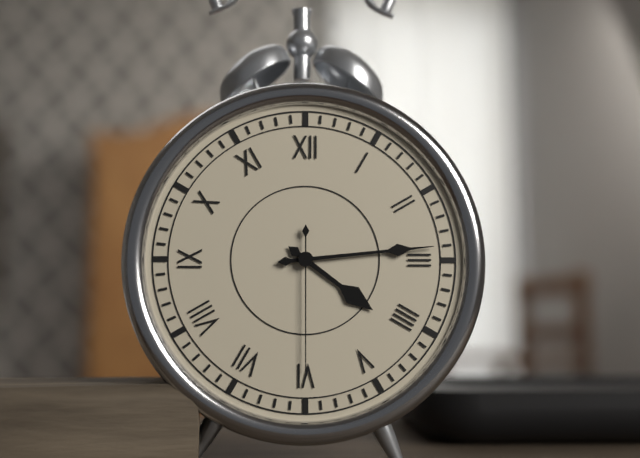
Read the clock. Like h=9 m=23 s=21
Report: h=4 m=14 s=30
